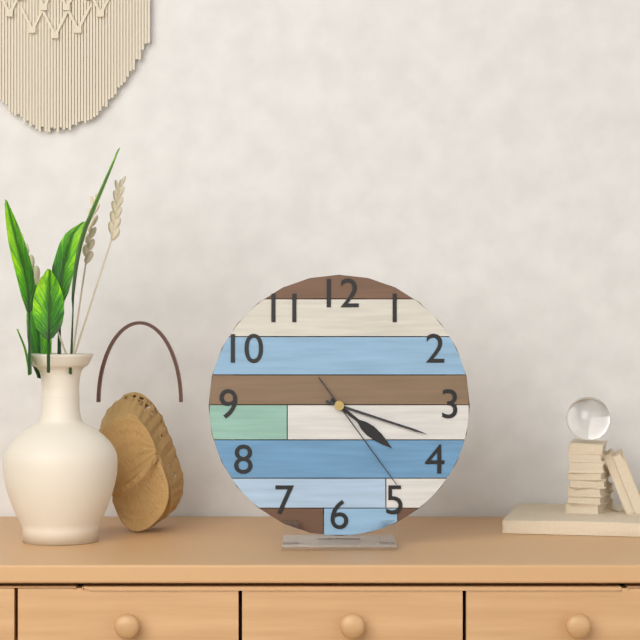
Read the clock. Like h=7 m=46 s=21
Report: h=4 m=18 s=24
